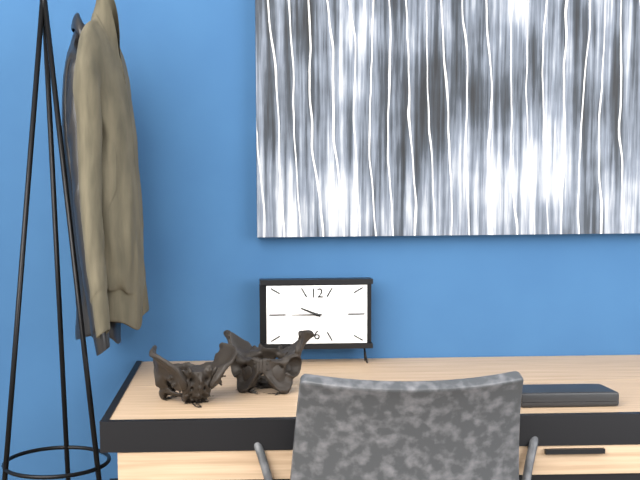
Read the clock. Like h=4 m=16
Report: h=9 m=45
